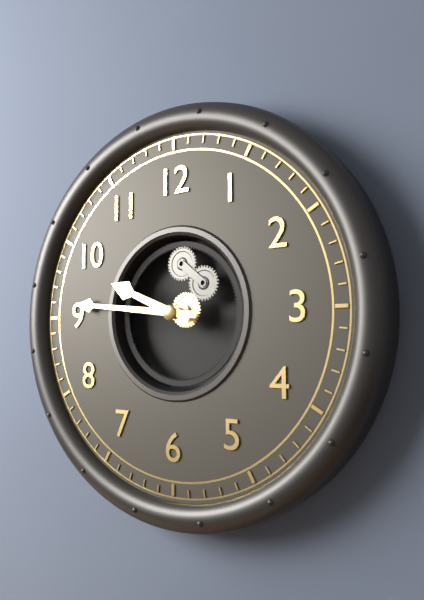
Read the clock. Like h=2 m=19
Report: h=9 m=46
